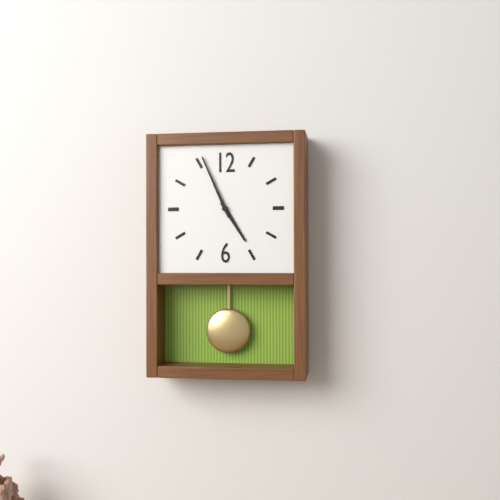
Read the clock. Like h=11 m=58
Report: h=4 m=56
